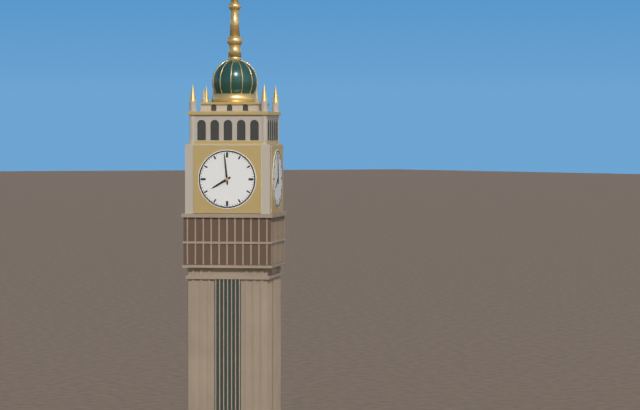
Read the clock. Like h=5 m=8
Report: h=7 m=59
